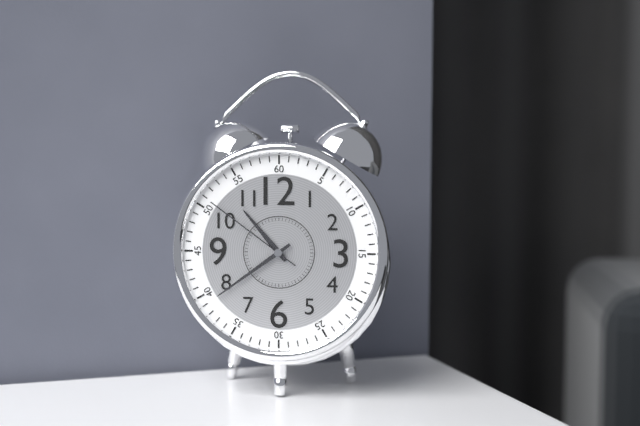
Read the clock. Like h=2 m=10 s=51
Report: h=10 m=39 s=51
